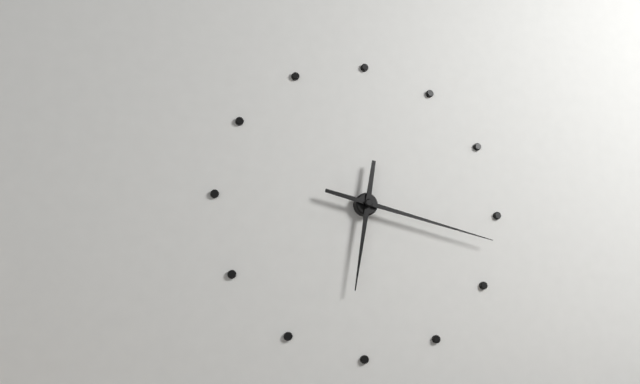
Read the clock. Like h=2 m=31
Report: h=6 m=17
